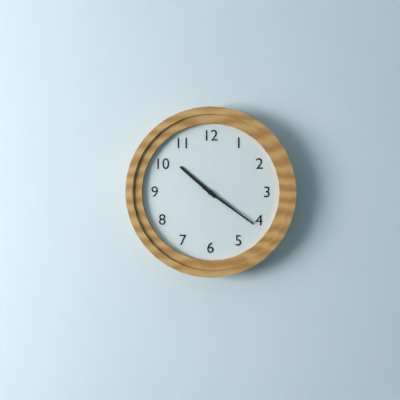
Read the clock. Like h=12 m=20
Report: h=10 m=21
